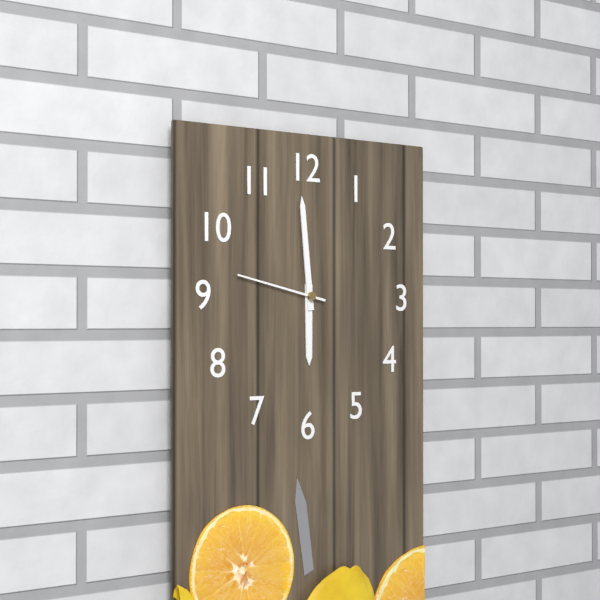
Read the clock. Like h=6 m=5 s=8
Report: h=5 m=59 s=47
